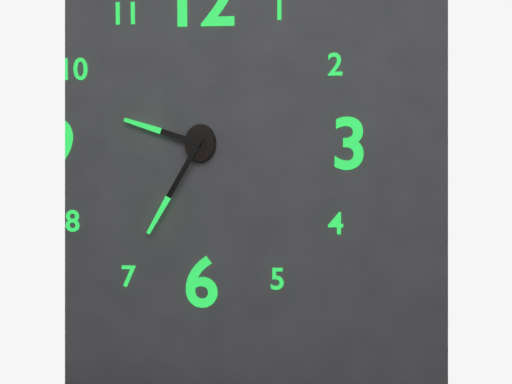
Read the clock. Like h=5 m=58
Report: h=9 m=35
